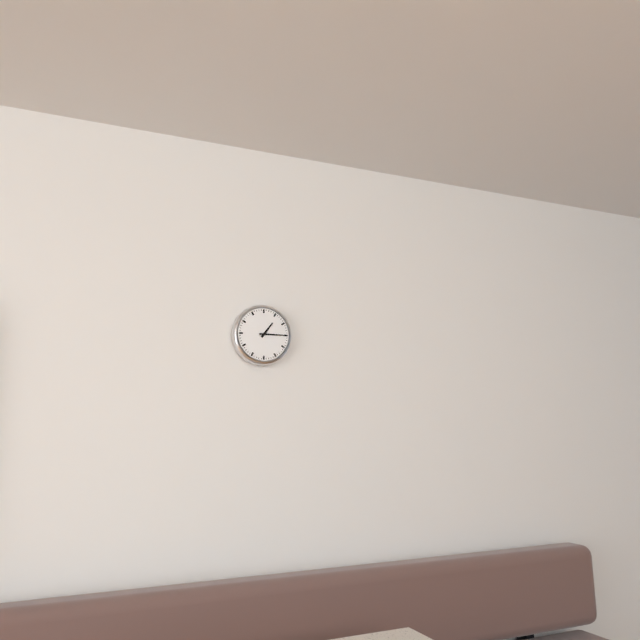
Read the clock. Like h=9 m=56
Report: h=1 m=15
